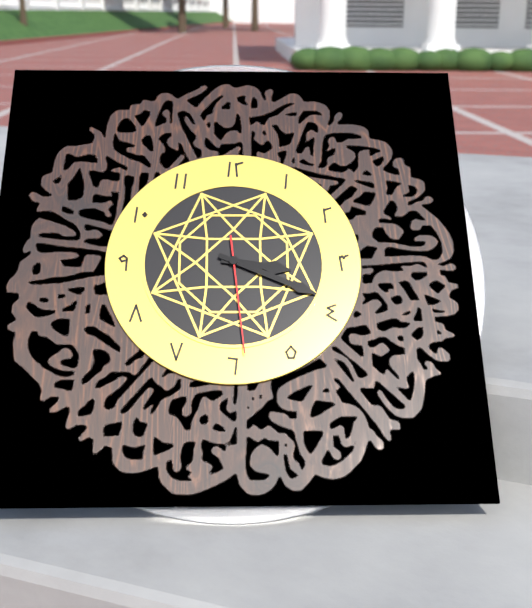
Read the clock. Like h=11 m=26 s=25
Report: h=3 m=19 s=29
